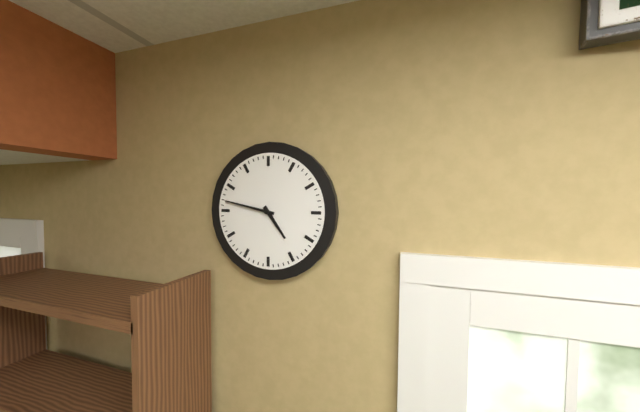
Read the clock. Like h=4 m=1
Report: h=4 m=47
